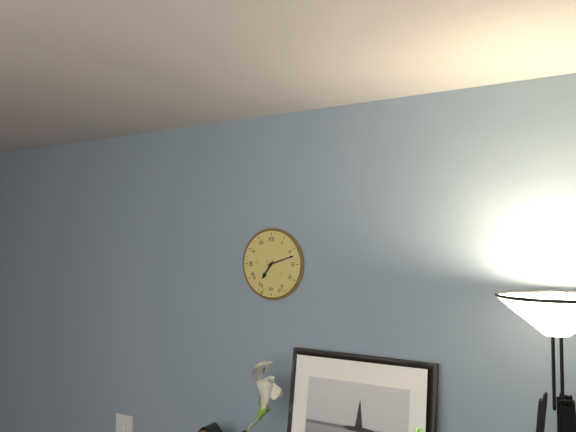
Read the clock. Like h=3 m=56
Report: h=7 m=12
